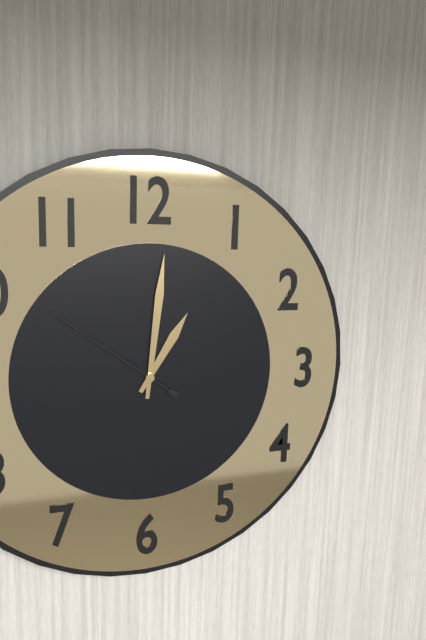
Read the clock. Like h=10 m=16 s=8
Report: h=1 m=1 s=51
